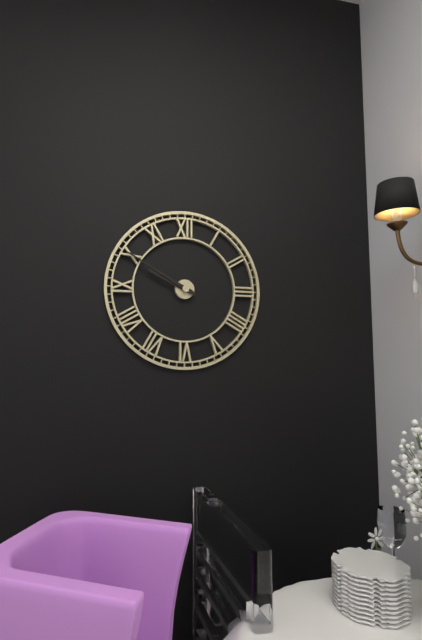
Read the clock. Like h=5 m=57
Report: h=9 m=50
